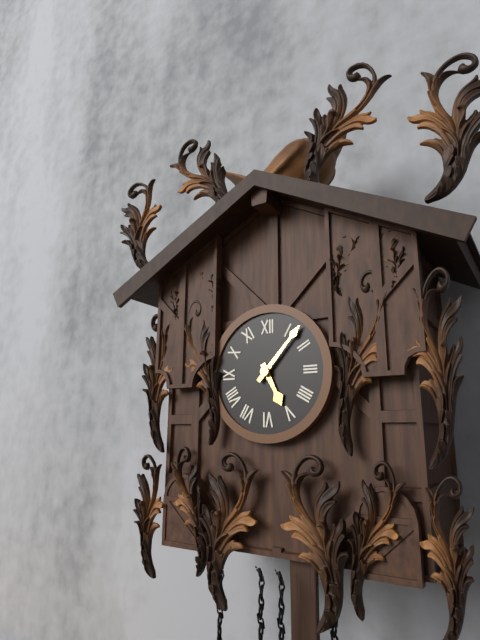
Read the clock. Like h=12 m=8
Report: h=5 m=7
